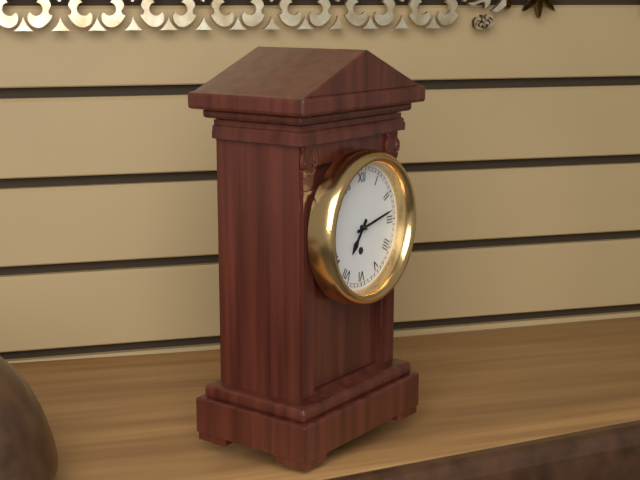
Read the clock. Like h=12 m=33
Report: h=7 m=13
